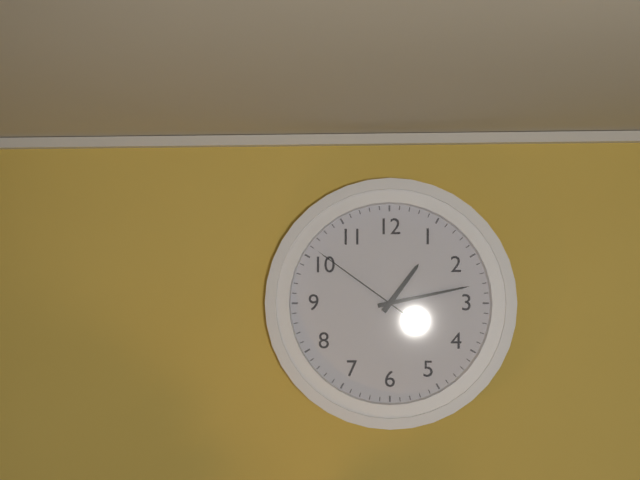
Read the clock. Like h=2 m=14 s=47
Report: h=1 m=13 s=51
